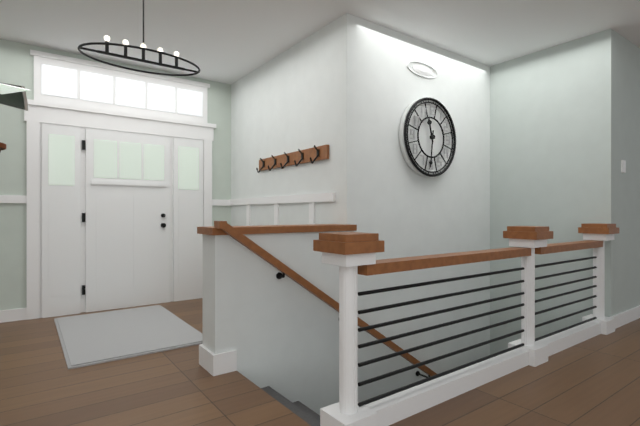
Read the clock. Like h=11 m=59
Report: h=11 m=31
